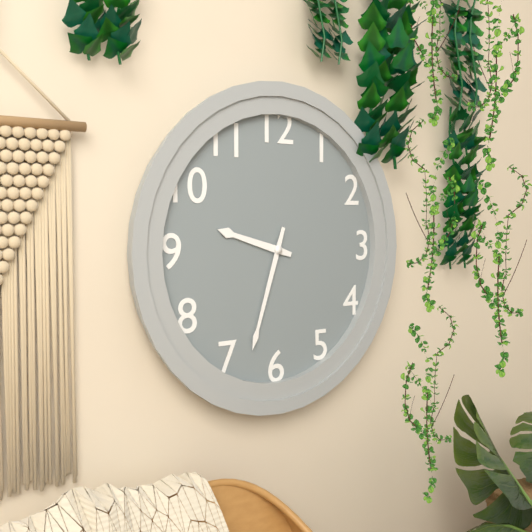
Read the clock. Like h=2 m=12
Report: h=9 m=33
